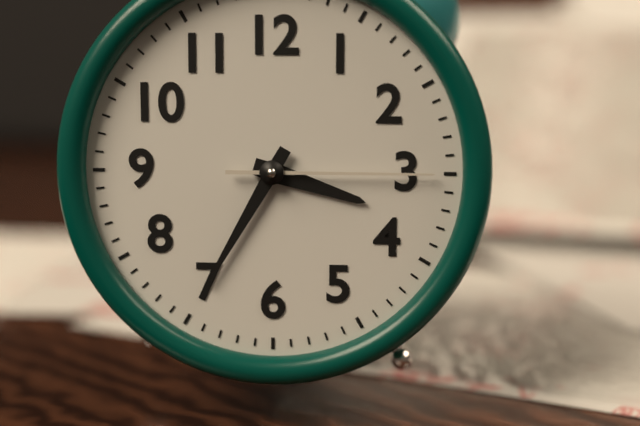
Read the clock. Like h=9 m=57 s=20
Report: h=3 m=35 s=15
